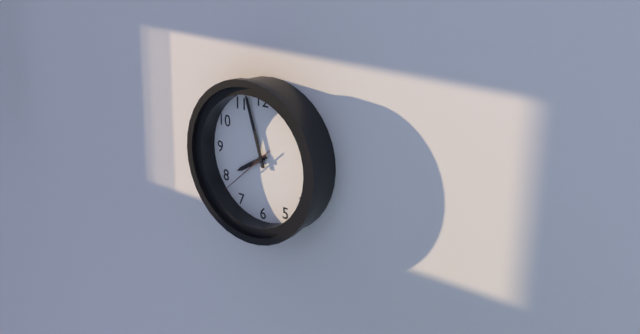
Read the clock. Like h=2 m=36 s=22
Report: h=7 m=57 s=38
